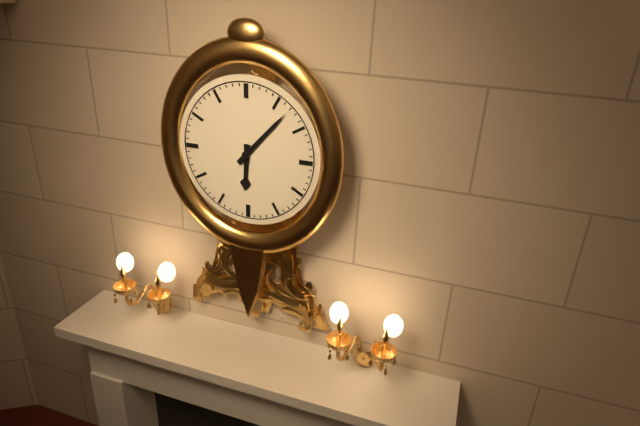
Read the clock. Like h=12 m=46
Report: h=6 m=7
